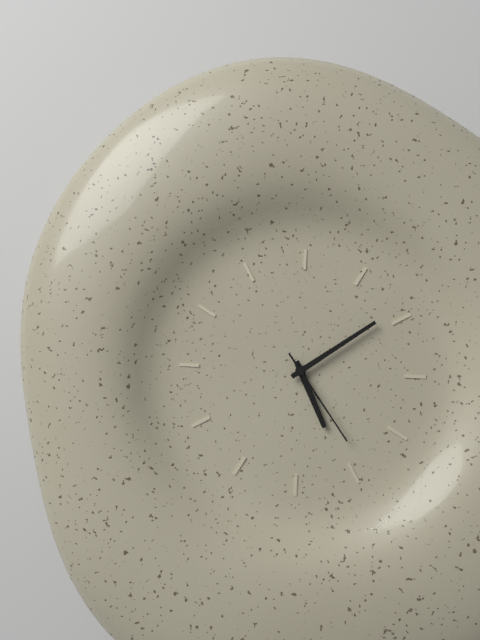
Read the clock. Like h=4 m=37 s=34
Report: h=5 m=9 s=24
